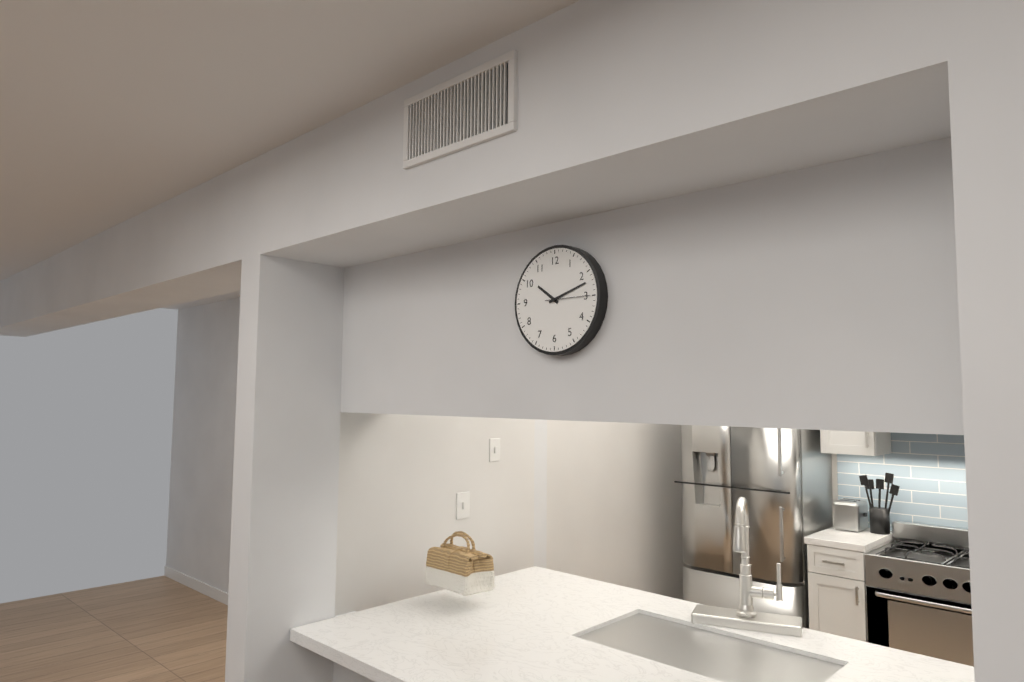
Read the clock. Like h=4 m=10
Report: h=10 m=12
